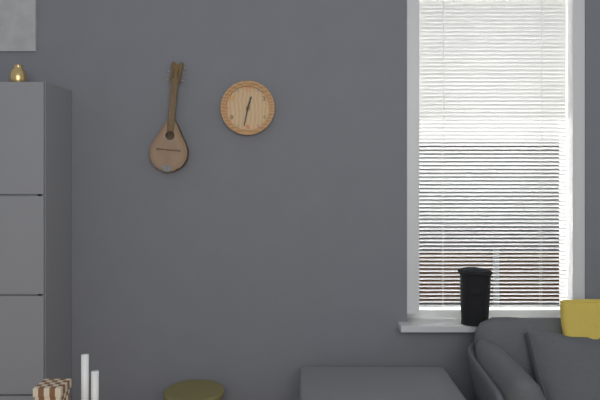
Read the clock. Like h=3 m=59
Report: h=12 m=32
